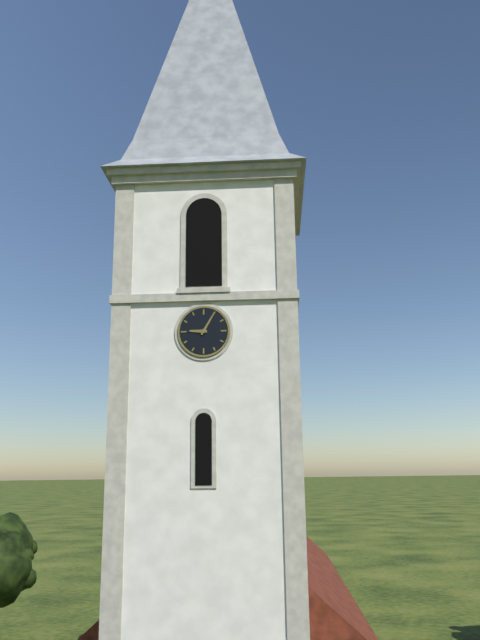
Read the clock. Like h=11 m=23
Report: h=9 m=5
